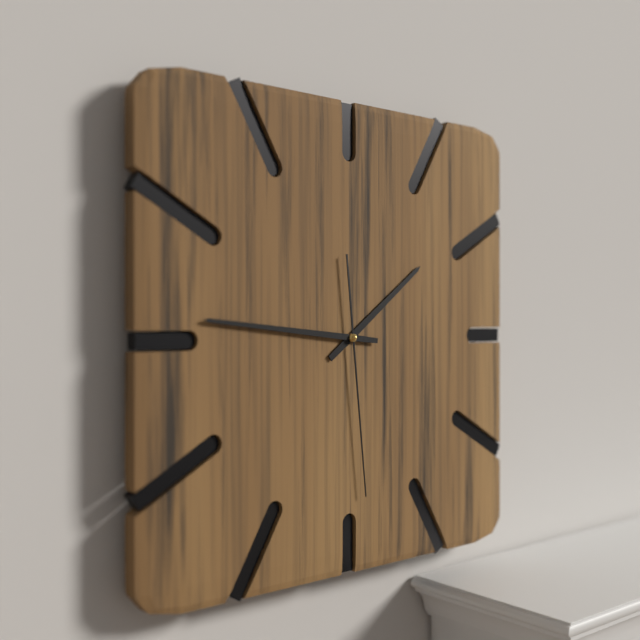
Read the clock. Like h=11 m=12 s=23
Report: h=1 m=46 s=29
